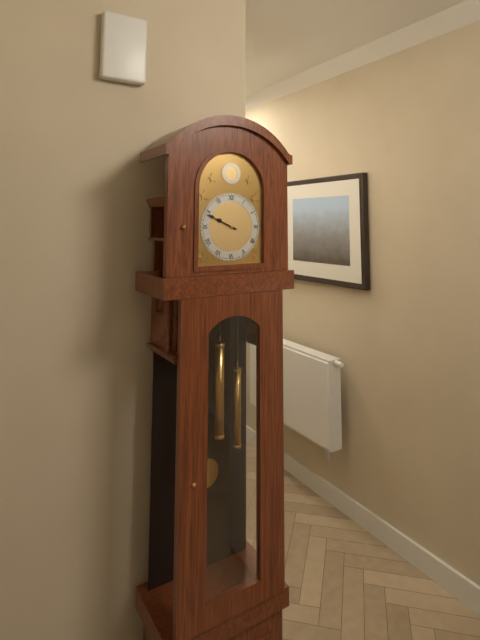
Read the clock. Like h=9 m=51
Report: h=9 m=49
